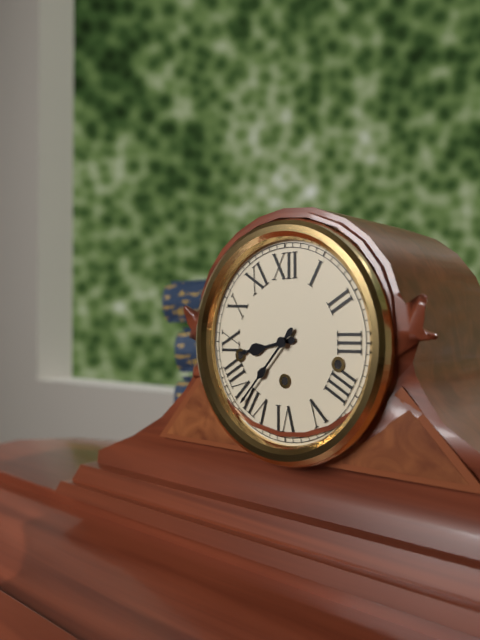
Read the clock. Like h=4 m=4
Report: h=8 m=37
